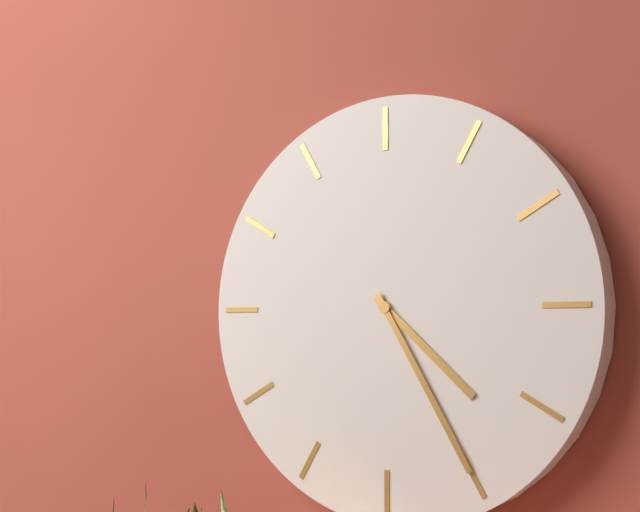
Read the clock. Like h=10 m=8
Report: h=4 m=25
